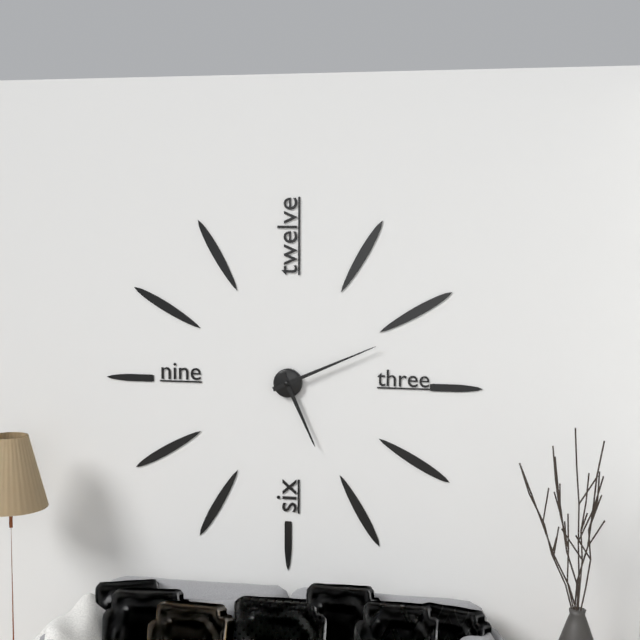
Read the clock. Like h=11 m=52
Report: h=5 m=11
